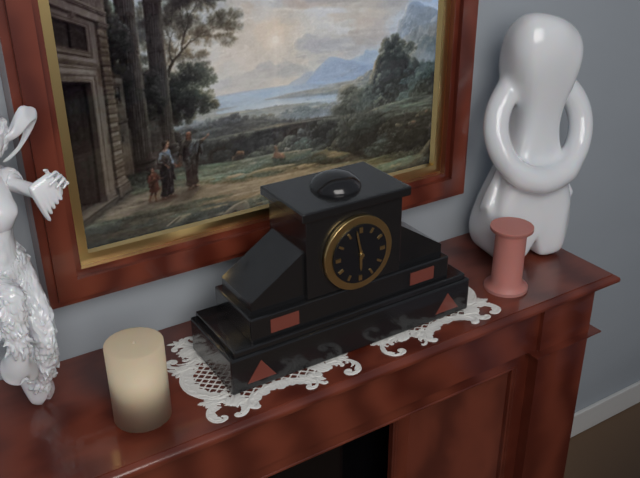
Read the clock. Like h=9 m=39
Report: h=5 m=58
